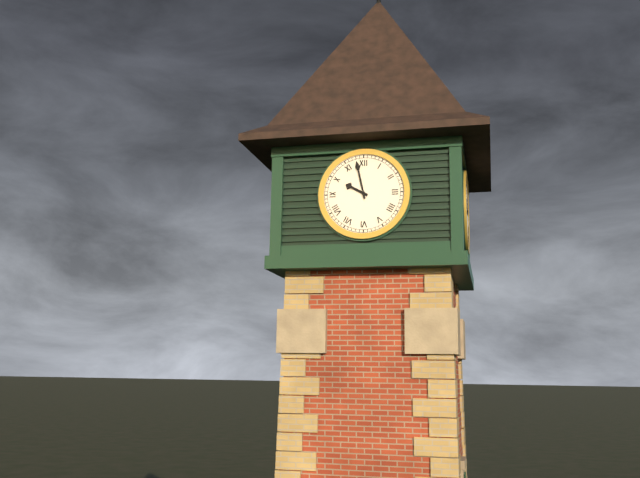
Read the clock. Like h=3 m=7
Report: h=9 m=58
